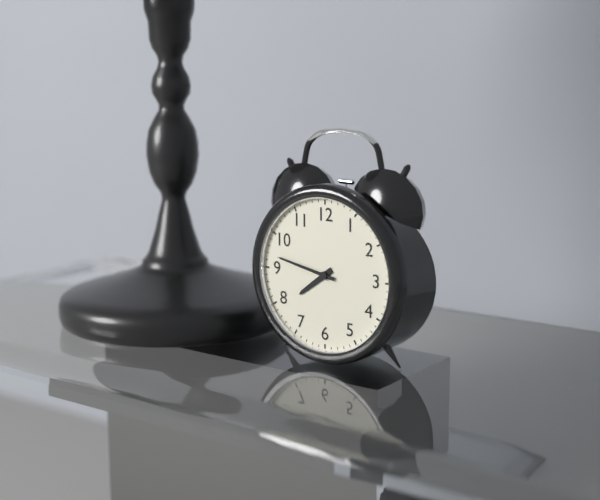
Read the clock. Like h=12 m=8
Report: h=7 m=47
